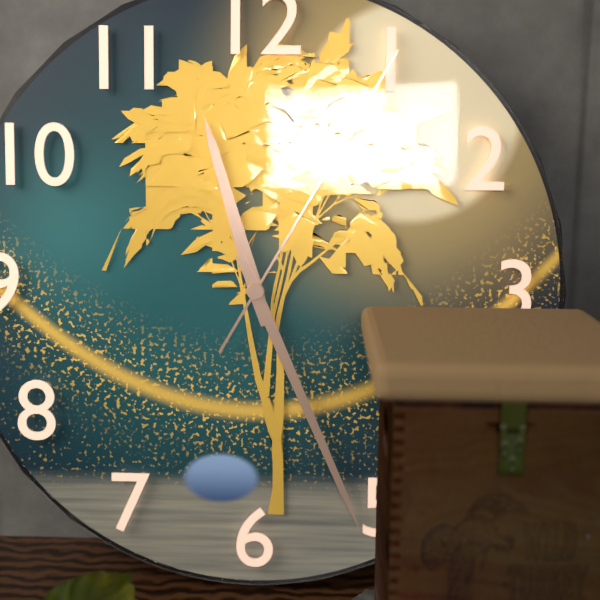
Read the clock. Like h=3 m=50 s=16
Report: h=11 m=26 s=5
